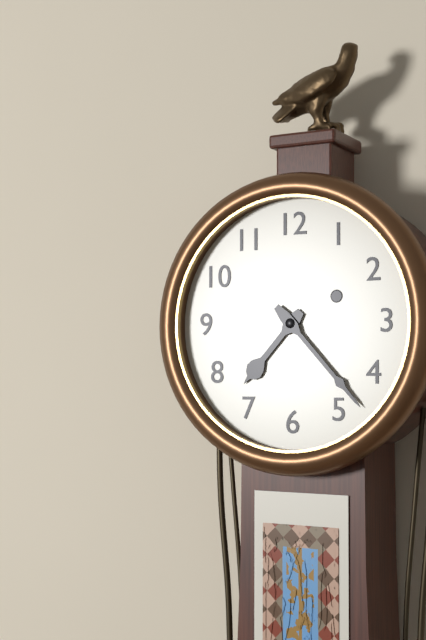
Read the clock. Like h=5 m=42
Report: h=7 m=23
